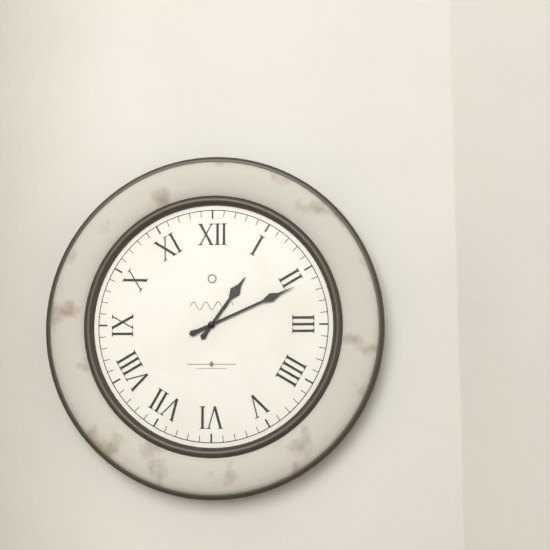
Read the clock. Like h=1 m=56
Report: h=1 m=11
